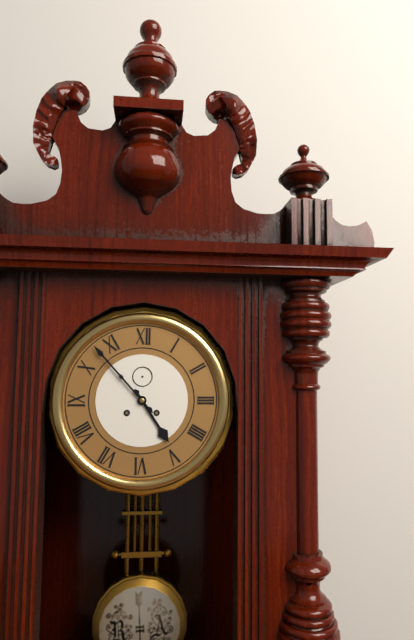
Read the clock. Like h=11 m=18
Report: h=4 m=53
